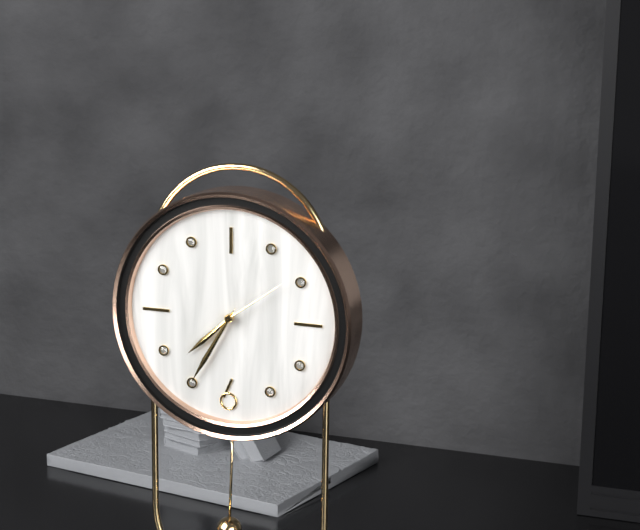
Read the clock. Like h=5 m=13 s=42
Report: h=7 m=35 s=9
